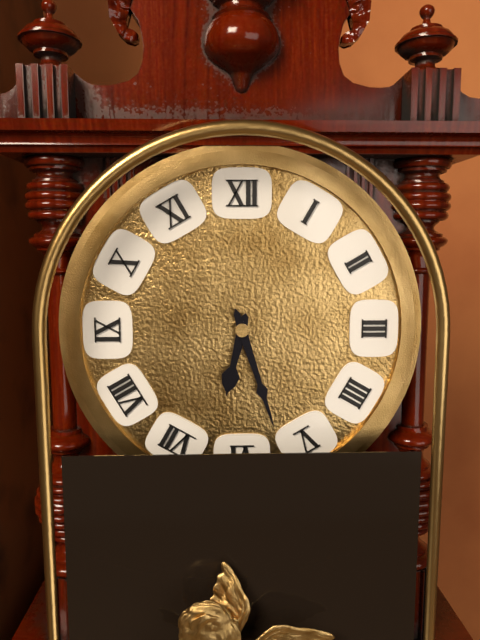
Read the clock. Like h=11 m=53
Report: h=6 m=27
